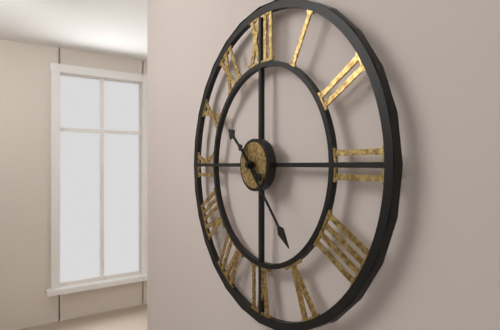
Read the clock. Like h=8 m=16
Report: h=10 m=23
